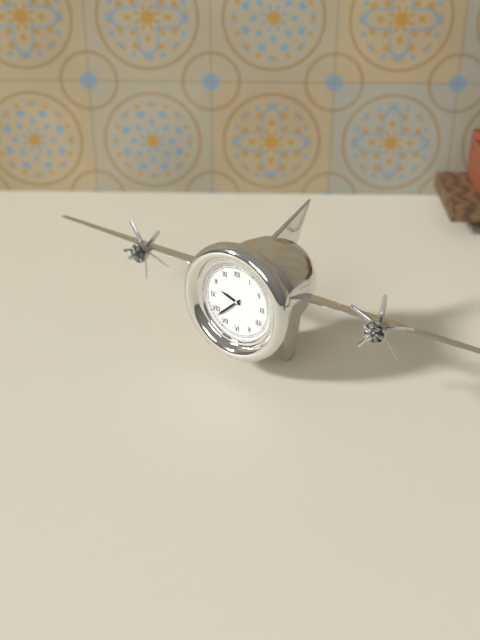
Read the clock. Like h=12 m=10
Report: h=9 m=38
